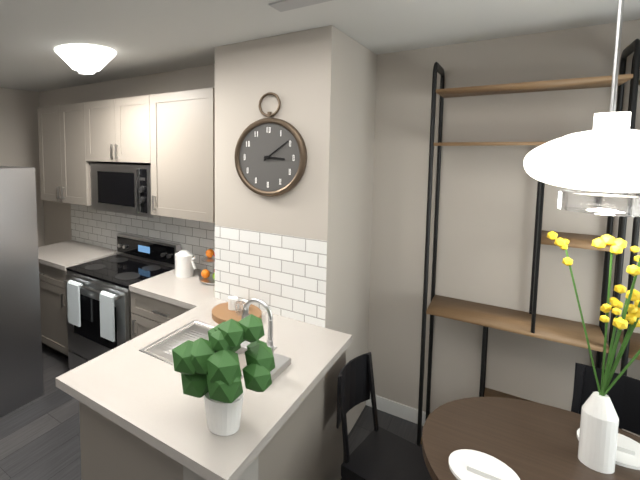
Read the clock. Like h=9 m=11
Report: h=3 m=9
